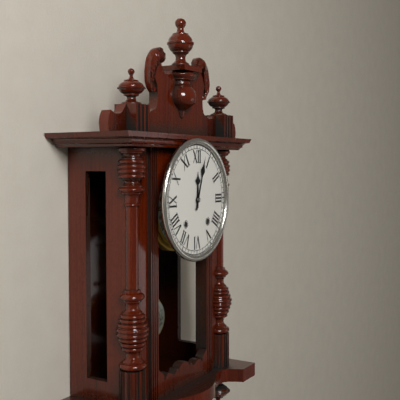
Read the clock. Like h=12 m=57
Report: h=12 m=3
